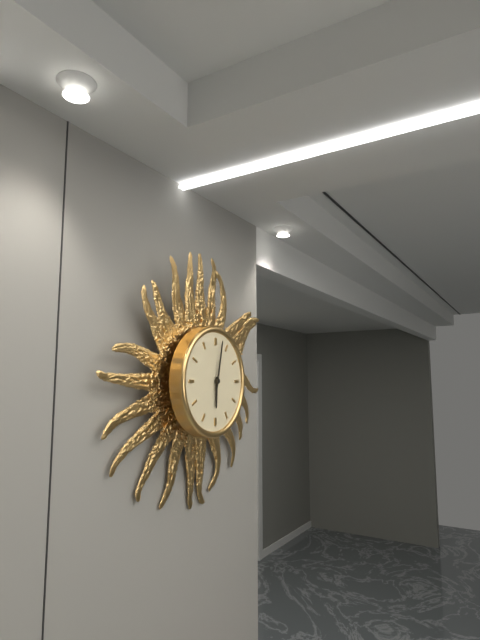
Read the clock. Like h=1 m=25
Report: h=6 m=2
